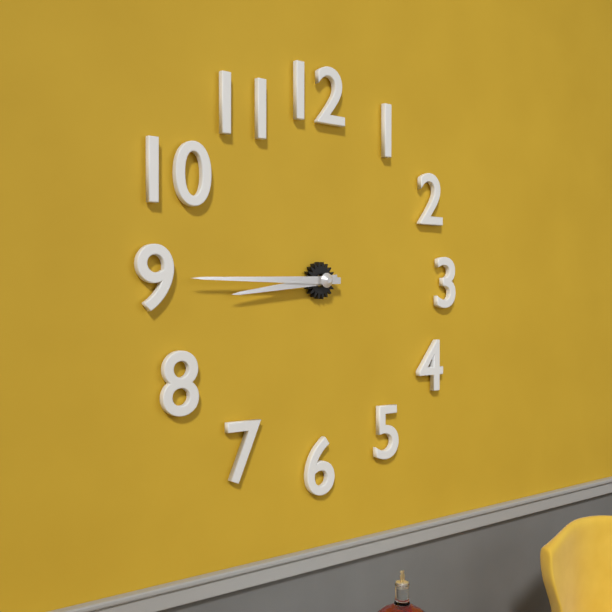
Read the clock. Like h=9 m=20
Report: h=8 m=45
